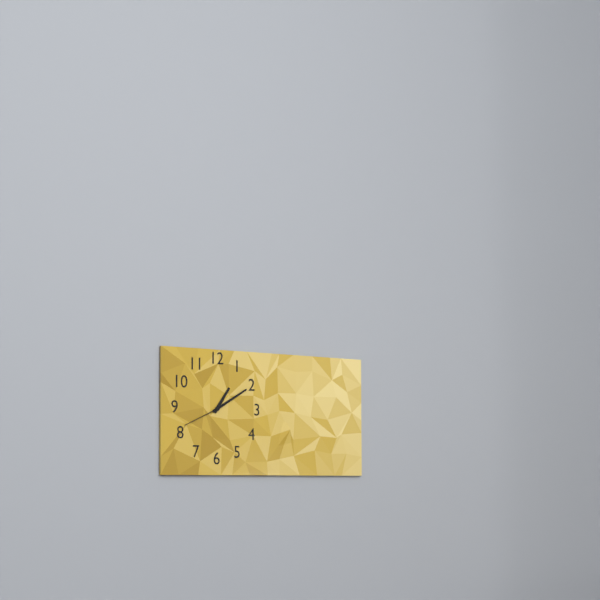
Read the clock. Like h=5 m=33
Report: h=1 m=10
